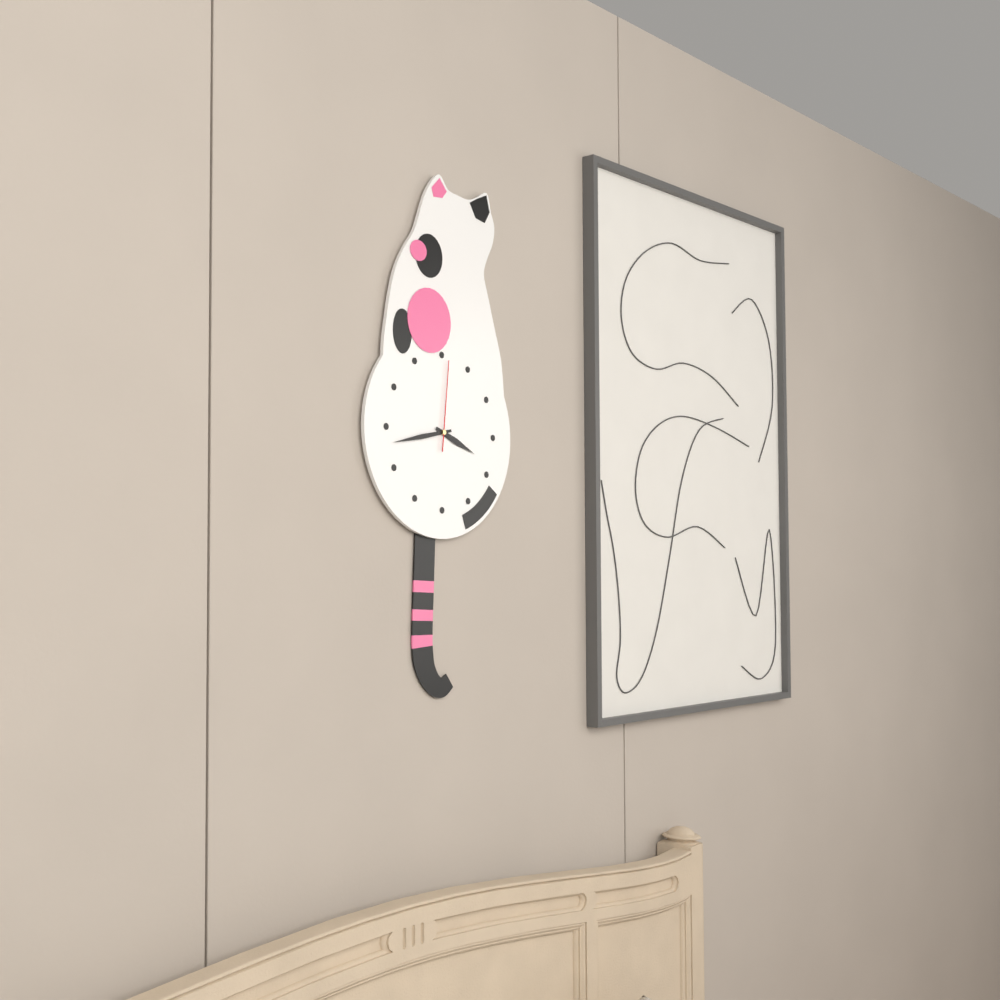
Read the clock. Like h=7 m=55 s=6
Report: h=3 m=43 s=1
